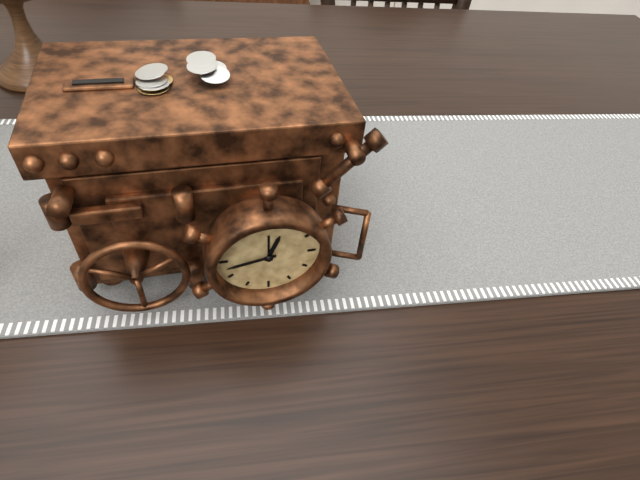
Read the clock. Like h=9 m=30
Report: h=12 m=43
